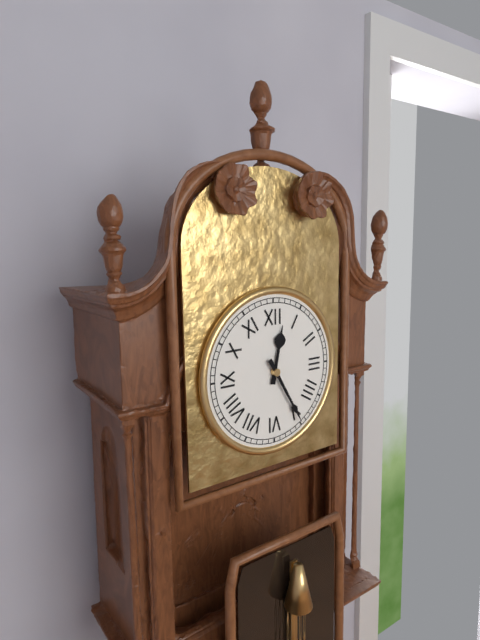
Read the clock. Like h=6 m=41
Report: h=12 m=25
